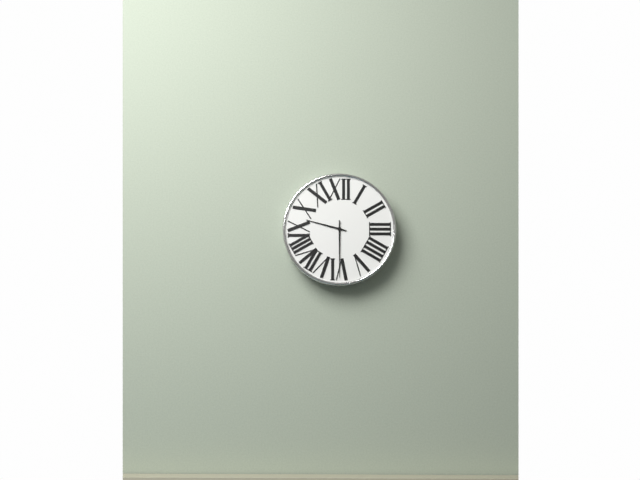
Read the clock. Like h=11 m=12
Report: h=9 m=30
